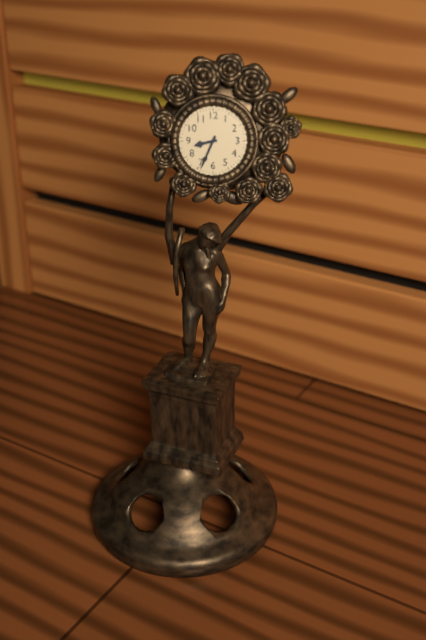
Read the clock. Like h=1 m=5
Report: h=8 m=34
